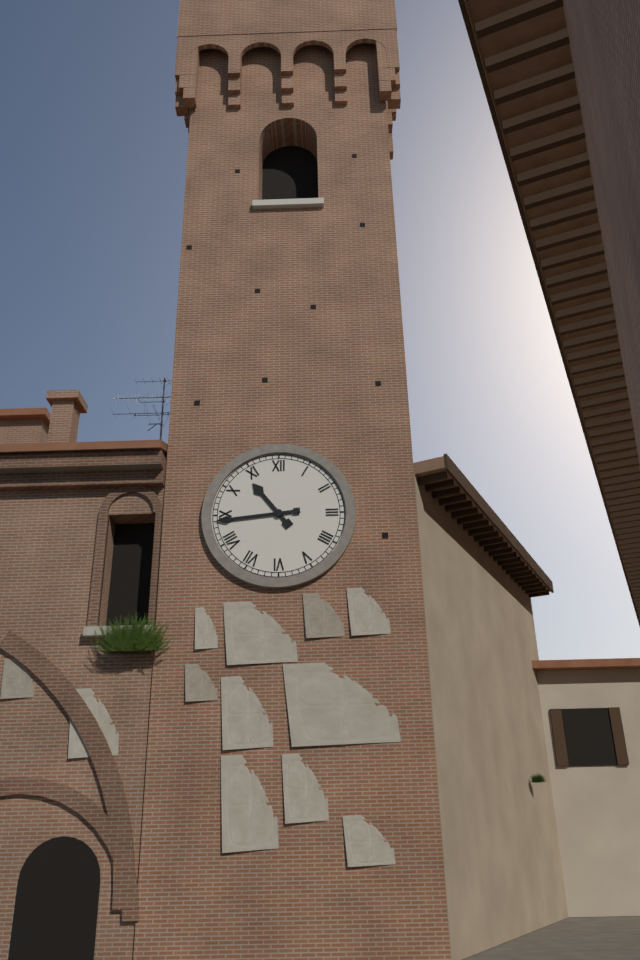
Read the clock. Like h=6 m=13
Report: h=10 m=44
